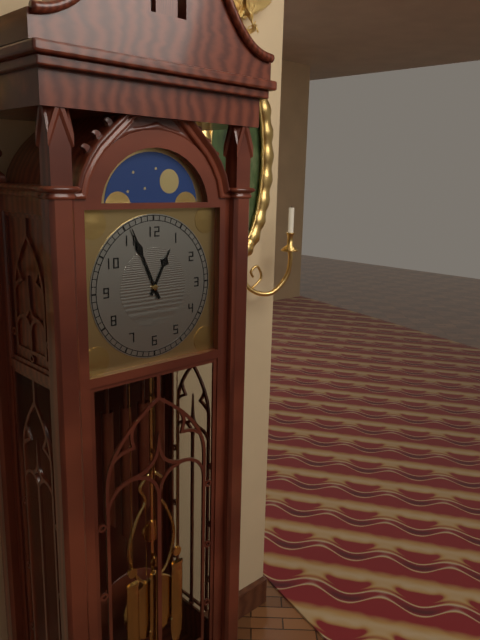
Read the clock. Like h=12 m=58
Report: h=12 m=56
